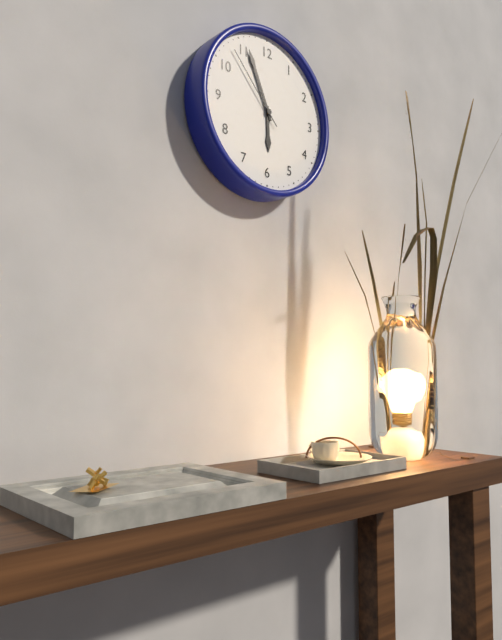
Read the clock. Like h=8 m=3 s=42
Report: h=5 m=56 s=53
